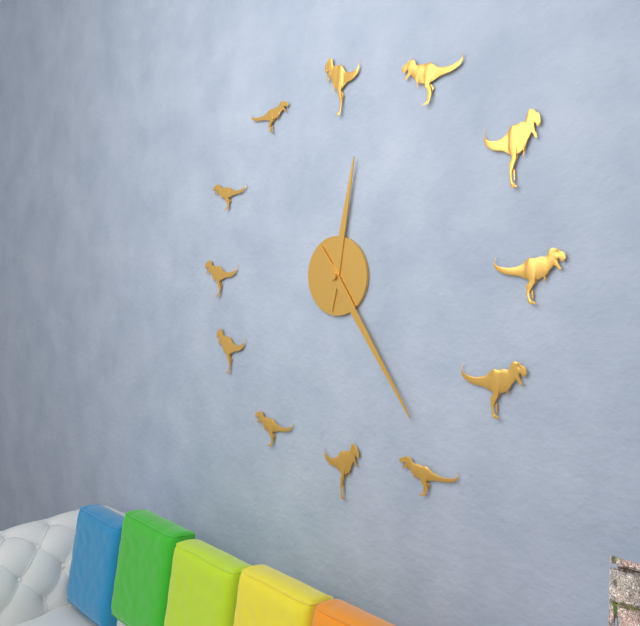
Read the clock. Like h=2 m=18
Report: h=12 m=24
